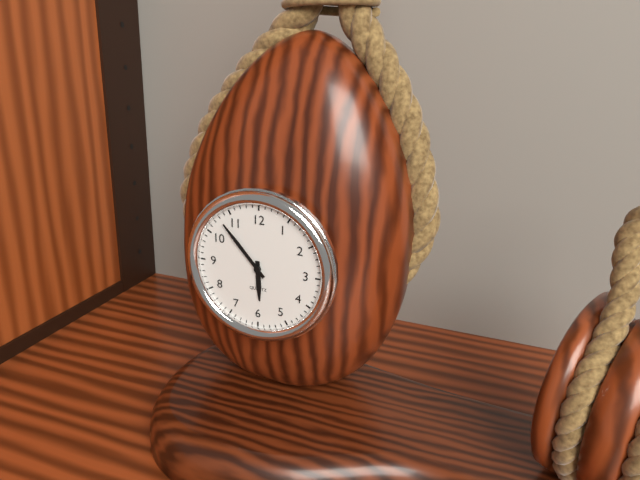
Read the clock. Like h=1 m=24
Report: h=5 m=53
